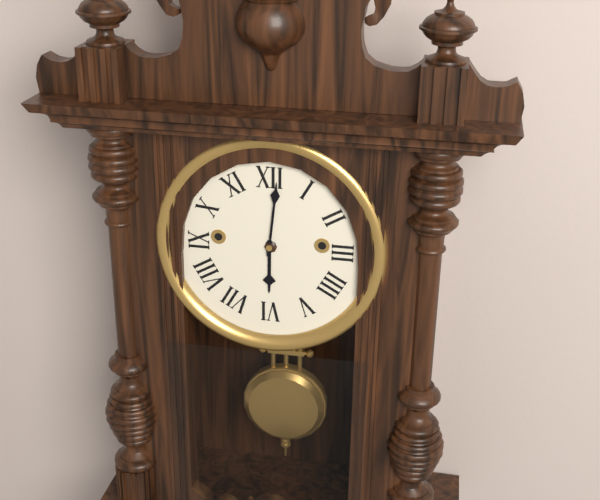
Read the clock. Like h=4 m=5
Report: h=6 m=1
